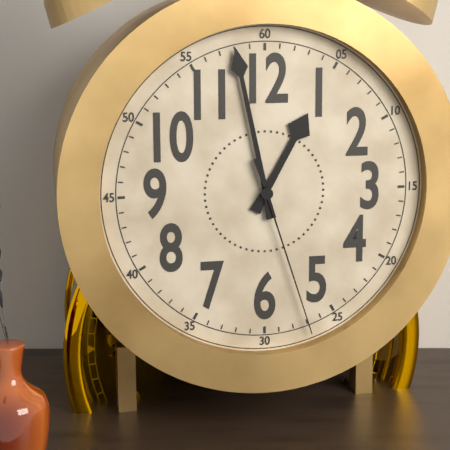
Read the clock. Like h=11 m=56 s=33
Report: h=12 m=58 s=27
